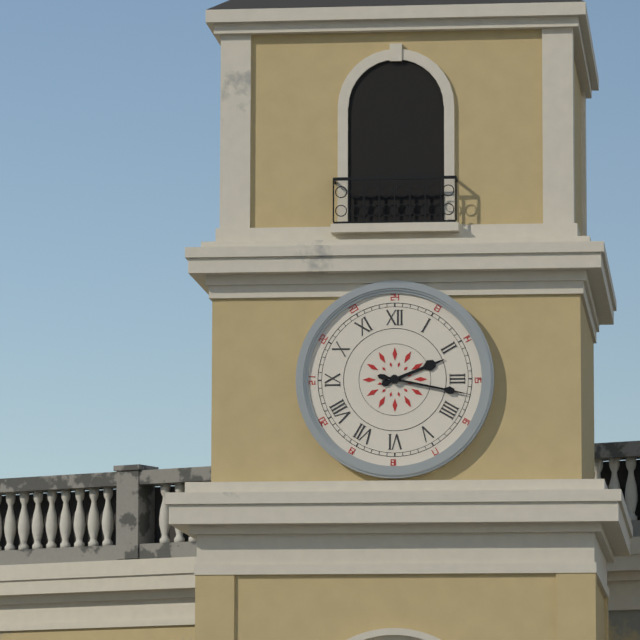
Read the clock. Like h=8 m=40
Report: h=2 m=17
